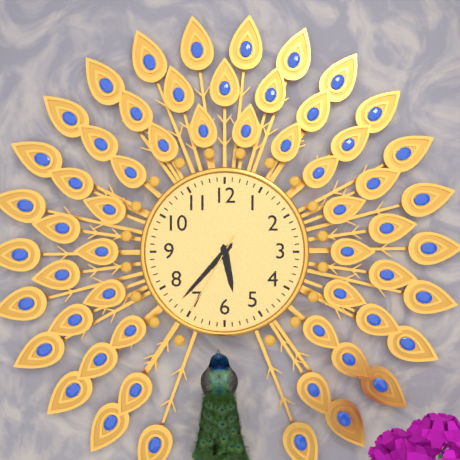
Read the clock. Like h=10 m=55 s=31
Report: h=5 m=37 s=35
